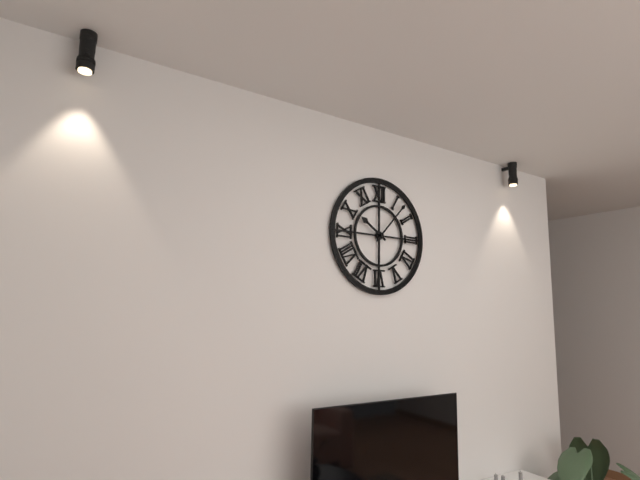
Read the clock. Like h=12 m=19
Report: h=10 m=7
